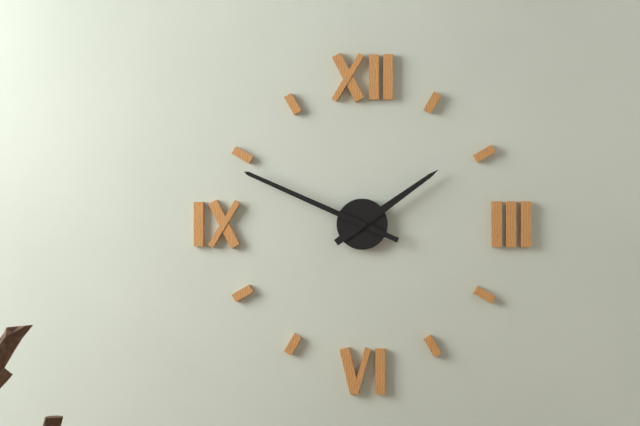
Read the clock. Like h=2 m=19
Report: h=1 m=49
